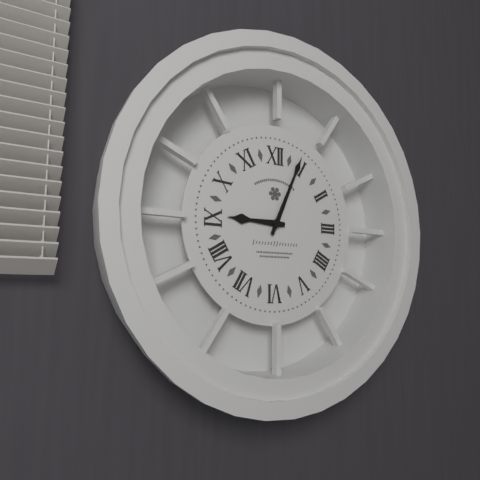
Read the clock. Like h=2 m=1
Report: h=9 m=4
